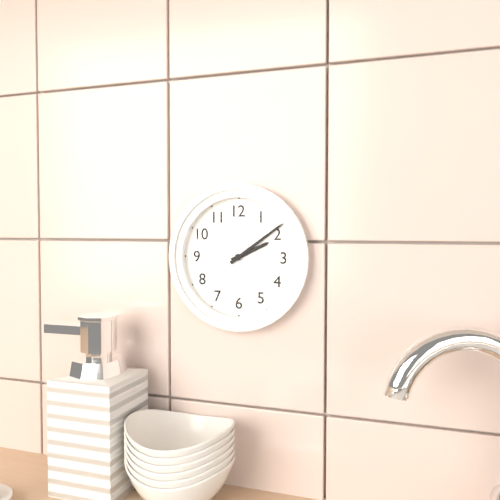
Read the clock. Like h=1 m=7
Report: h=2 m=9
